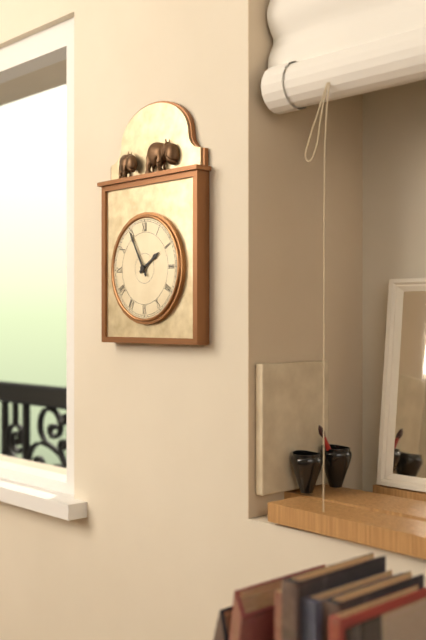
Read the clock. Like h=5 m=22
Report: h=1 m=55
